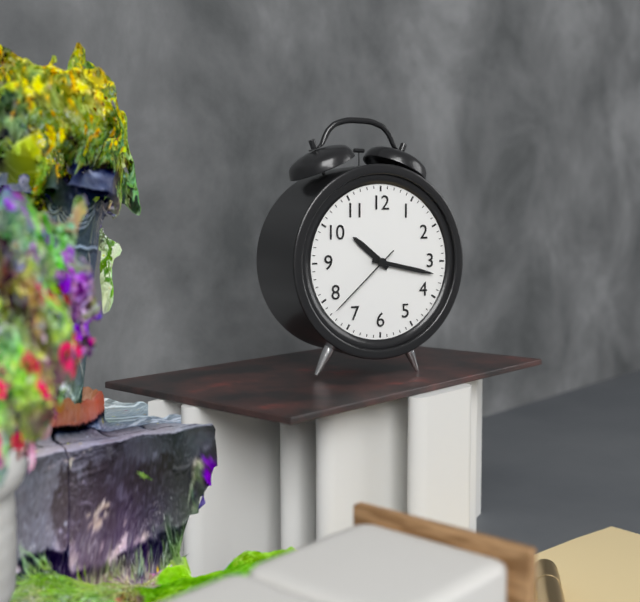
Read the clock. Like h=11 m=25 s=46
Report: h=10 m=17 s=38
